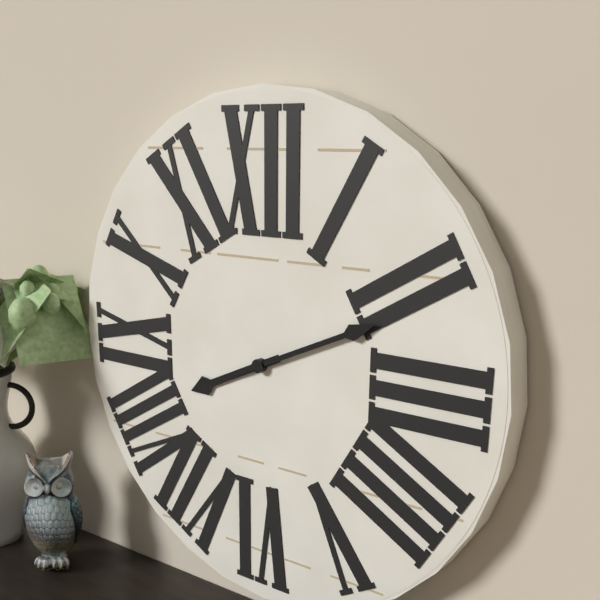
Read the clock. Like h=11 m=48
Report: h=8 m=11
